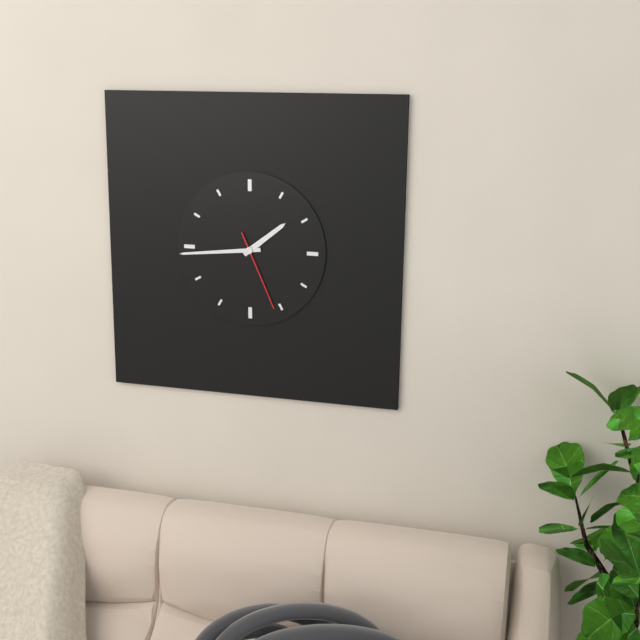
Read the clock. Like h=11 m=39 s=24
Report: h=1 m=44 s=26
